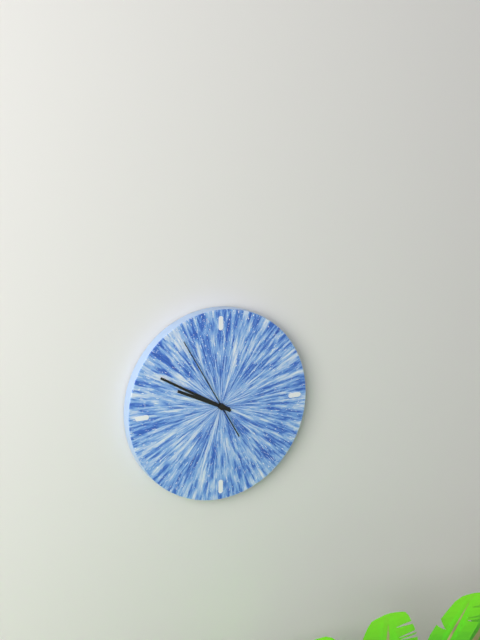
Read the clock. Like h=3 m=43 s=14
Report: h=9 m=50 s=55
